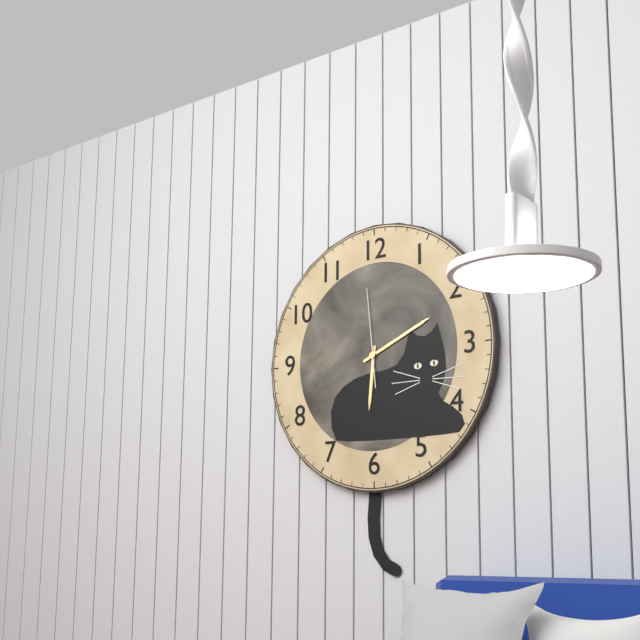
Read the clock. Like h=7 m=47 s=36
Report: h=6 m=11 s=59
